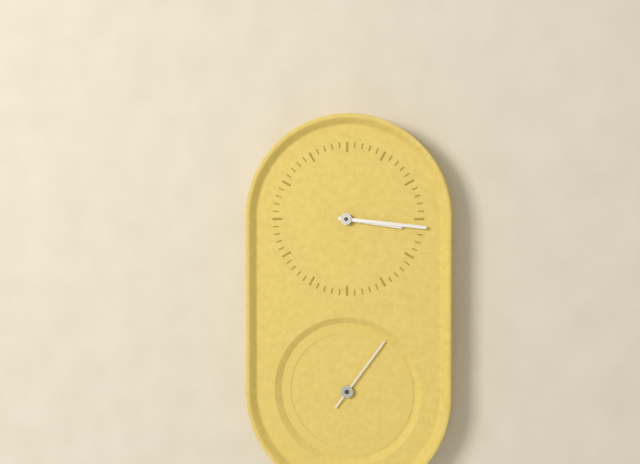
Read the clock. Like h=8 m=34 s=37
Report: h=3 m=16 s=6
